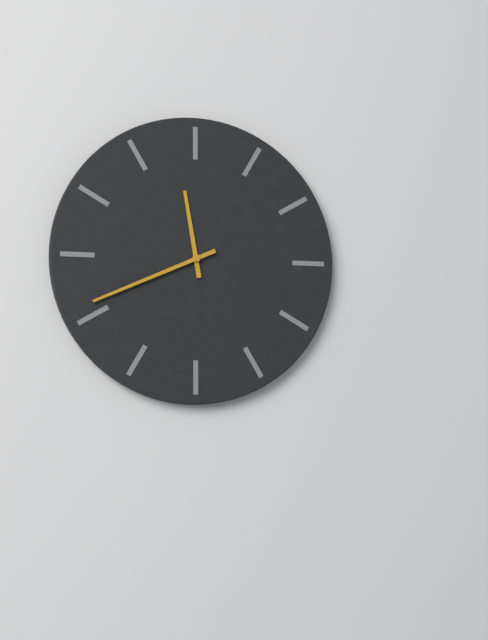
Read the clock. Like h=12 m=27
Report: h=11 m=41
